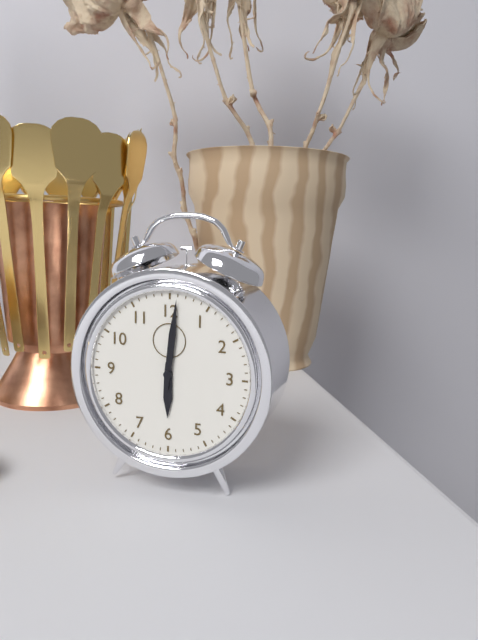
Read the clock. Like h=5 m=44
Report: h=6 m=1
